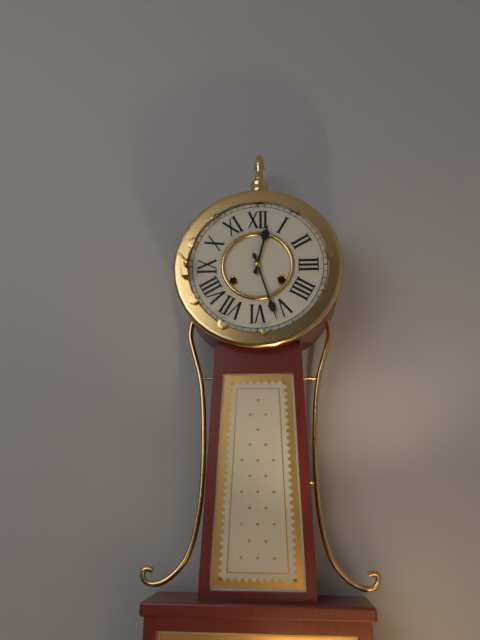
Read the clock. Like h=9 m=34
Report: h=12 m=27
